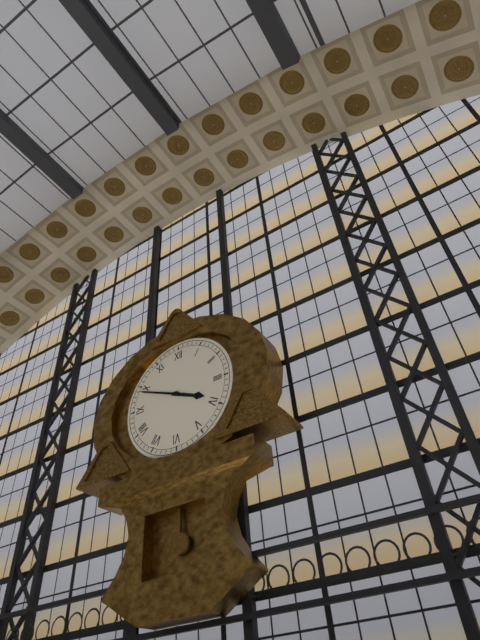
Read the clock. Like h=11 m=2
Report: h=3 m=49
